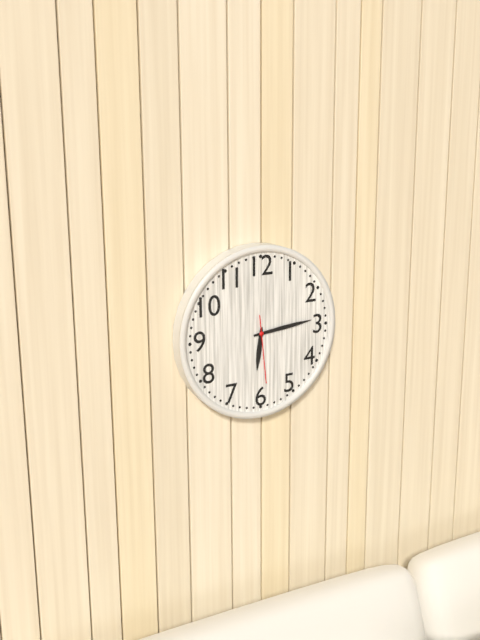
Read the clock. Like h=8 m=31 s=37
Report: h=6 m=14 s=29
